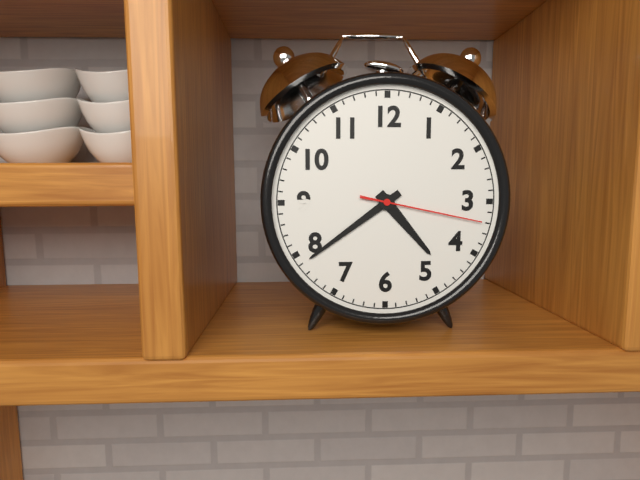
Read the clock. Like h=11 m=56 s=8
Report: h=4 m=39 s=17
